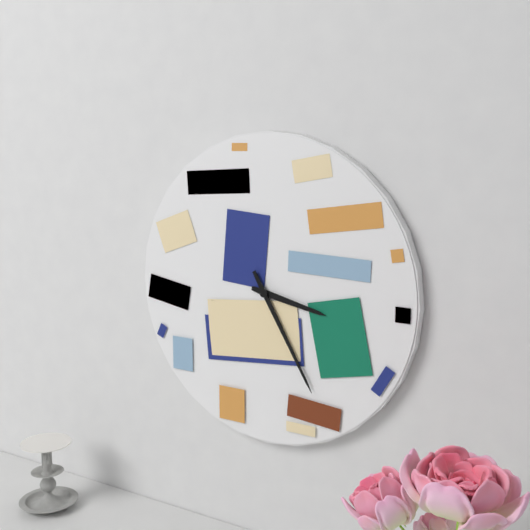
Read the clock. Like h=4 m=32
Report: h=3 m=25
